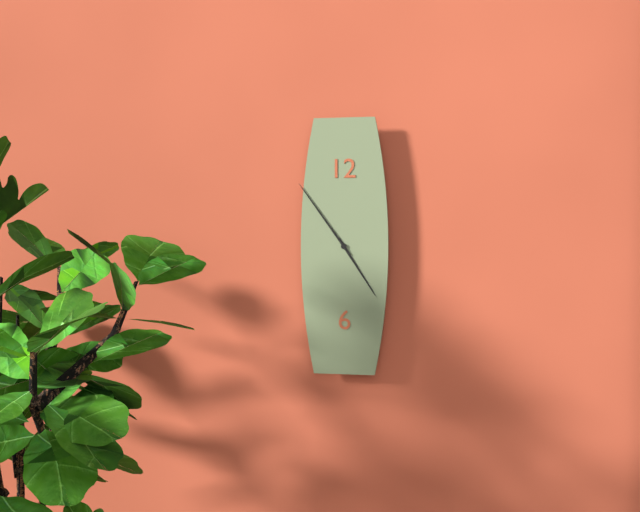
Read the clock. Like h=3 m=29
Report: h=4 m=54
